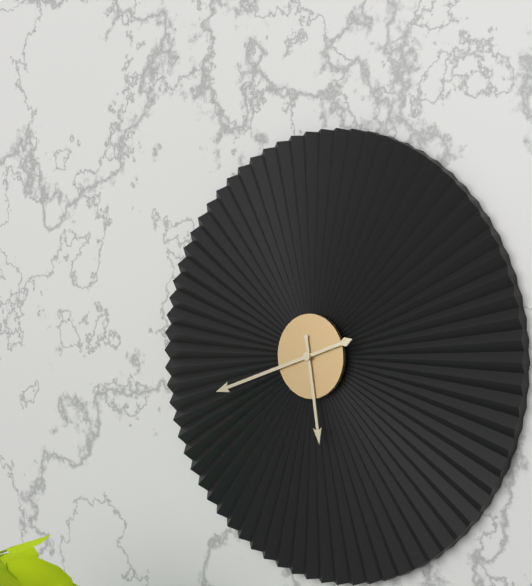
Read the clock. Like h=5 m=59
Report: h=5 m=42
